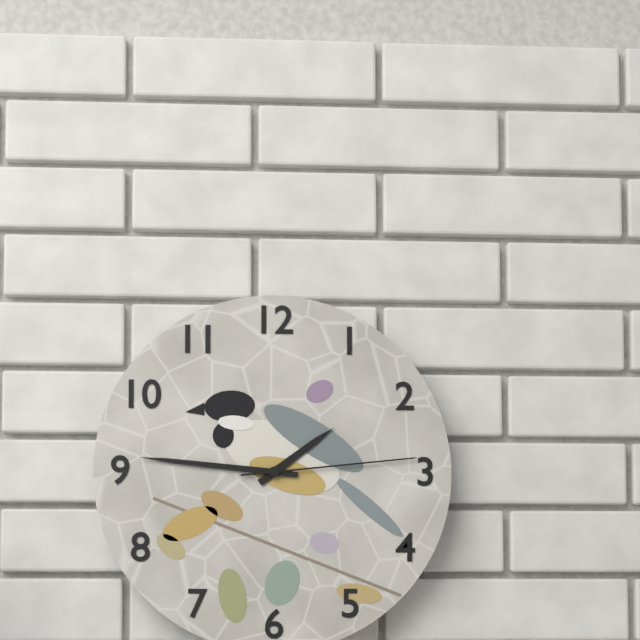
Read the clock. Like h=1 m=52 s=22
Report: h=1 m=46 s=14
